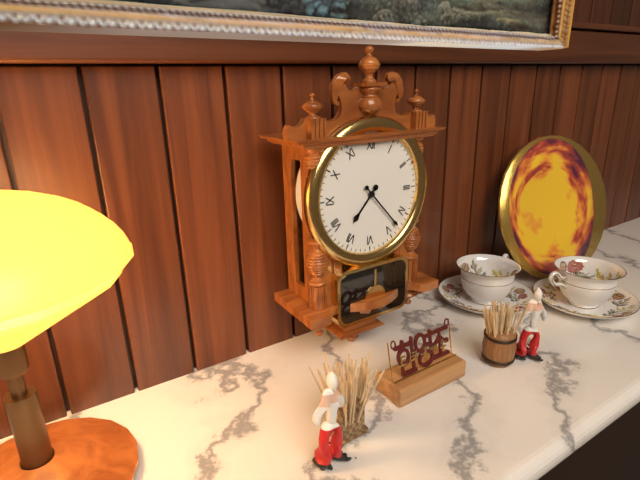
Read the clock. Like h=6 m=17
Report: h=7 m=23
